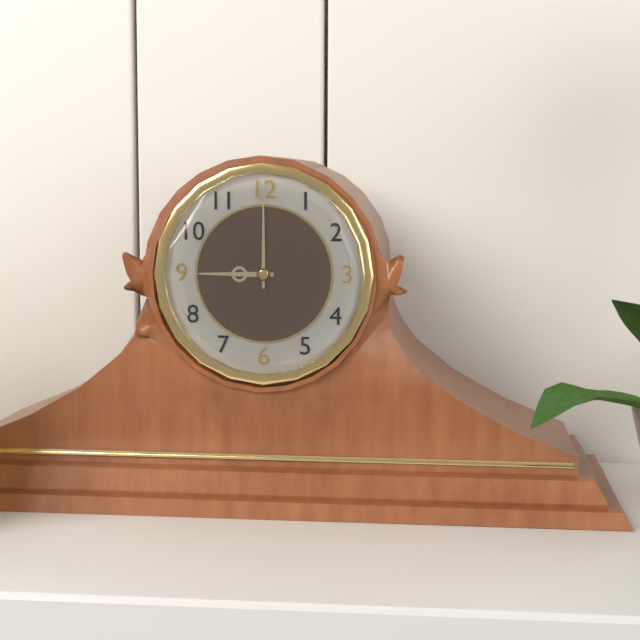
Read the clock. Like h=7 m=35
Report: h=9 m=0
